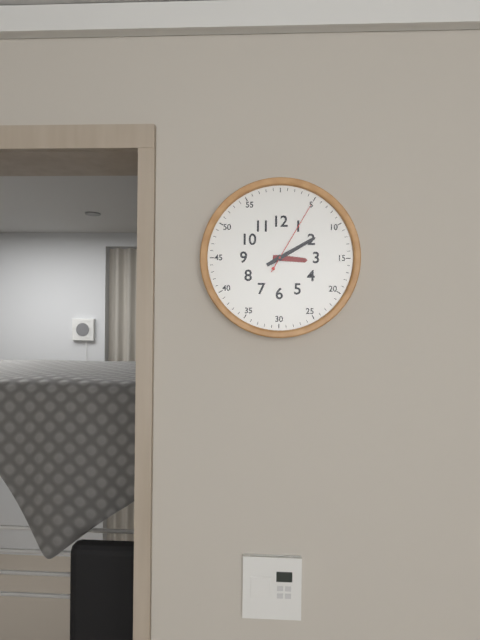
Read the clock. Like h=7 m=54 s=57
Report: h=3 m=10 s=5
